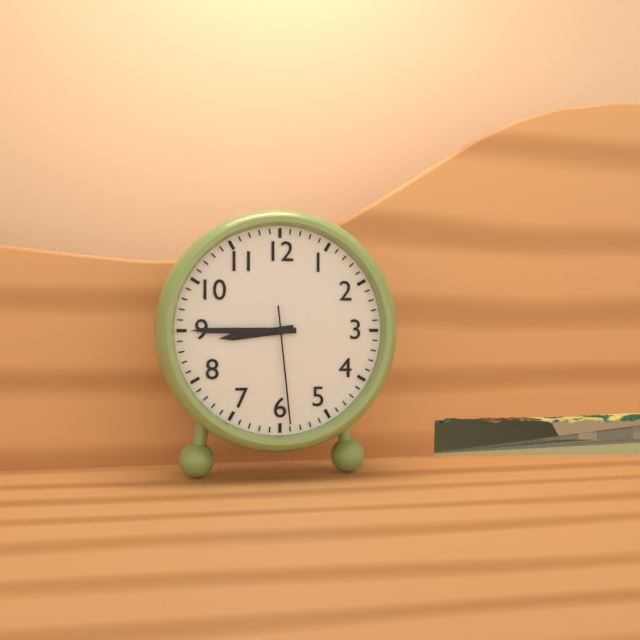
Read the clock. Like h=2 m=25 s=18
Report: h=8 m=45 s=29
